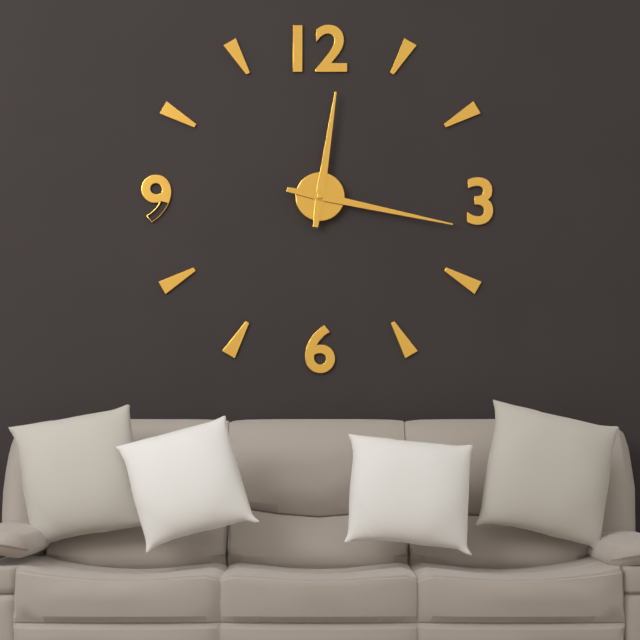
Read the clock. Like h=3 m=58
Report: h=12 m=17
